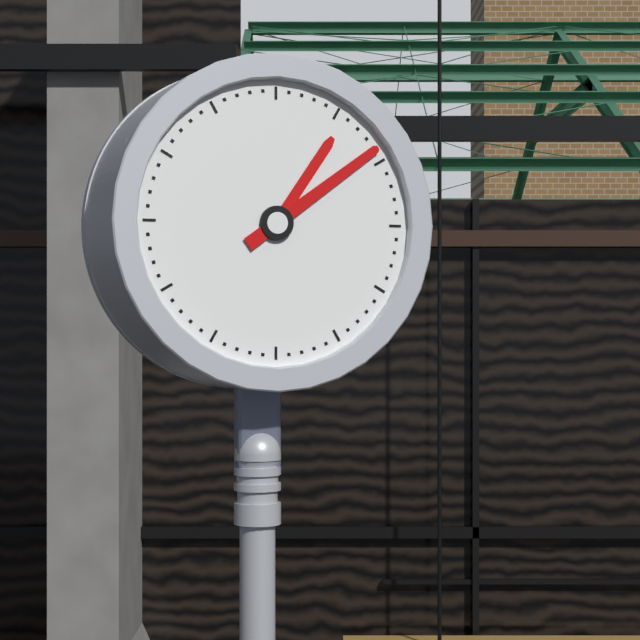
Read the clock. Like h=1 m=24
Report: h=1 m=9
